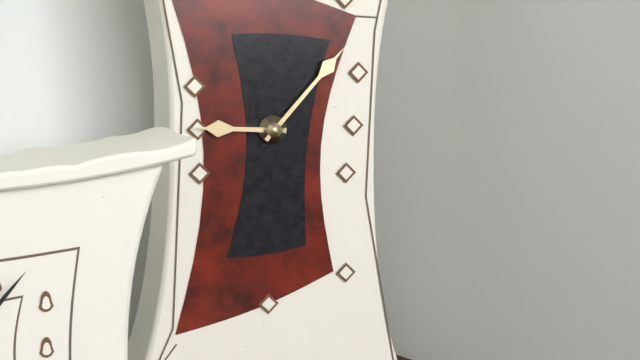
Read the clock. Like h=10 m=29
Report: h=9 m=7
